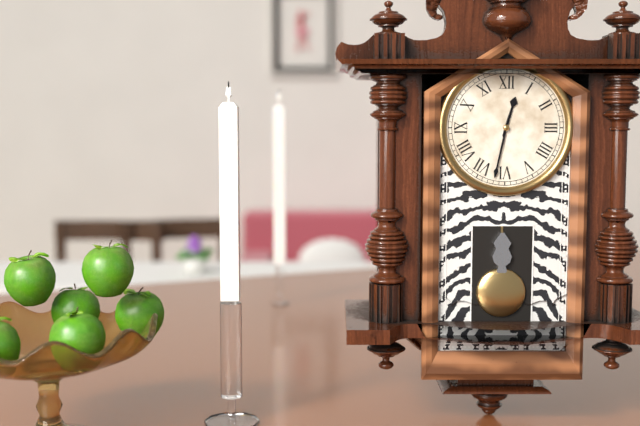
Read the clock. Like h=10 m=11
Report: h=12 m=32
